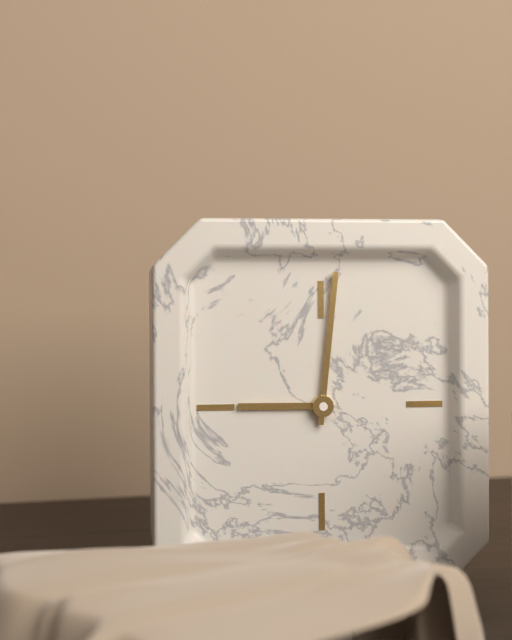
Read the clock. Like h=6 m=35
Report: h=9 m=1
